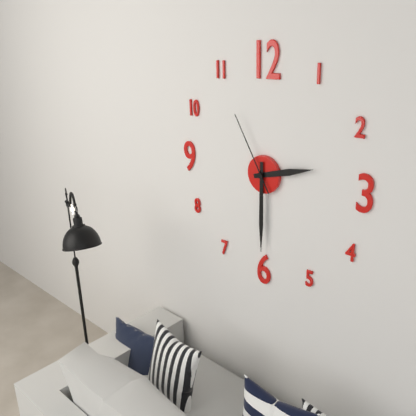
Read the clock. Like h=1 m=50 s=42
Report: h=2 m=30 s=55
